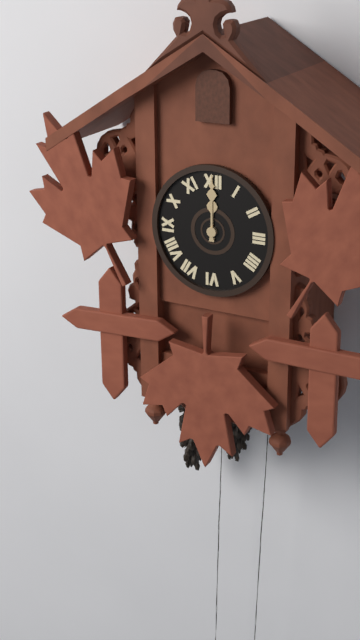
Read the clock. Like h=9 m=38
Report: h=12 m=0
